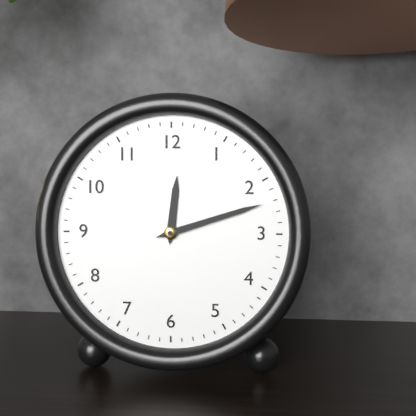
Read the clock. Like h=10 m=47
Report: h=12 m=12
